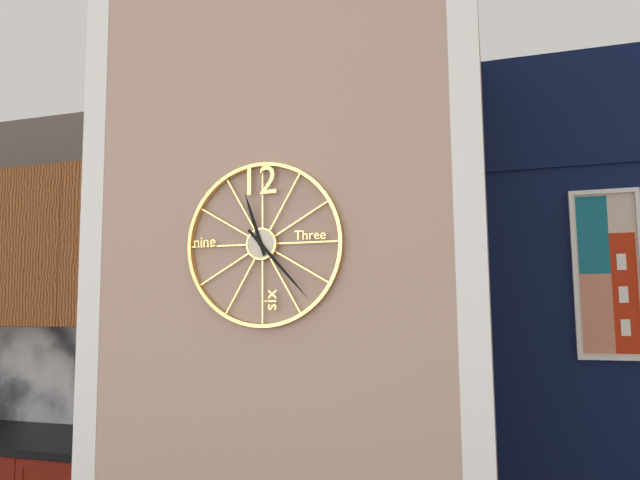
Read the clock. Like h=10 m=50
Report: h=11 m=23
